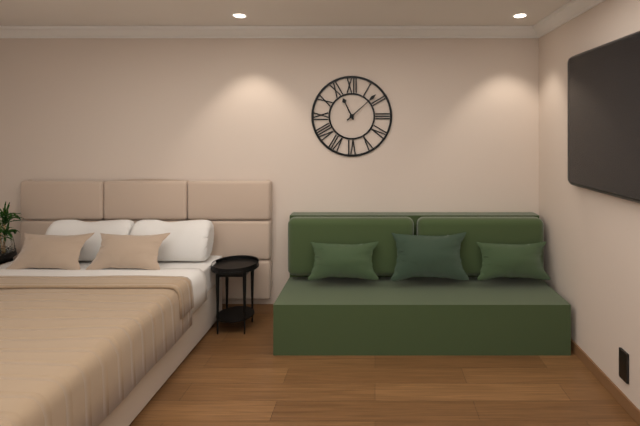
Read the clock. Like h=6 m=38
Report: h=11 m=8
